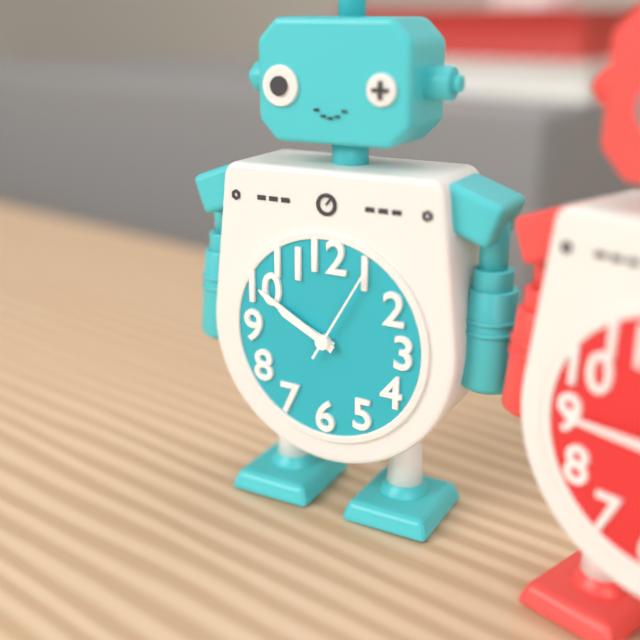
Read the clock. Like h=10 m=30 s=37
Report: h=9 m=50 s=5
